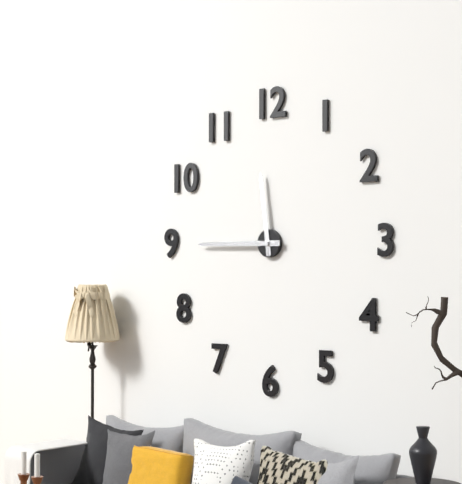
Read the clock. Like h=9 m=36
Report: h=11 m=45
